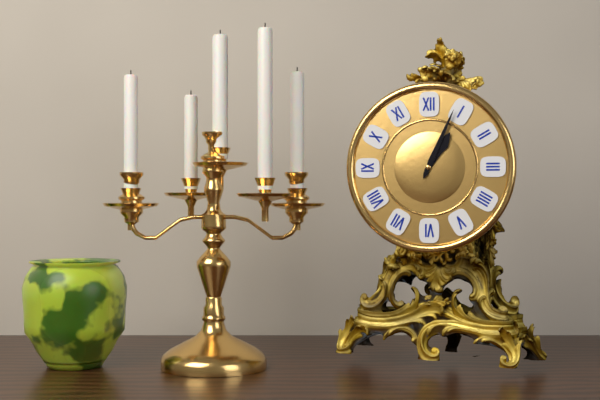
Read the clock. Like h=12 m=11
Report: h=1 m=4
